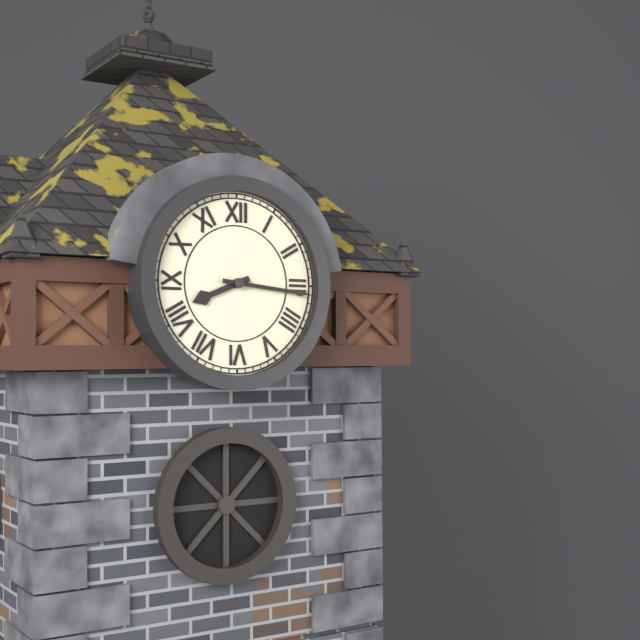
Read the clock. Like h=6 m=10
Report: h=8 m=16
